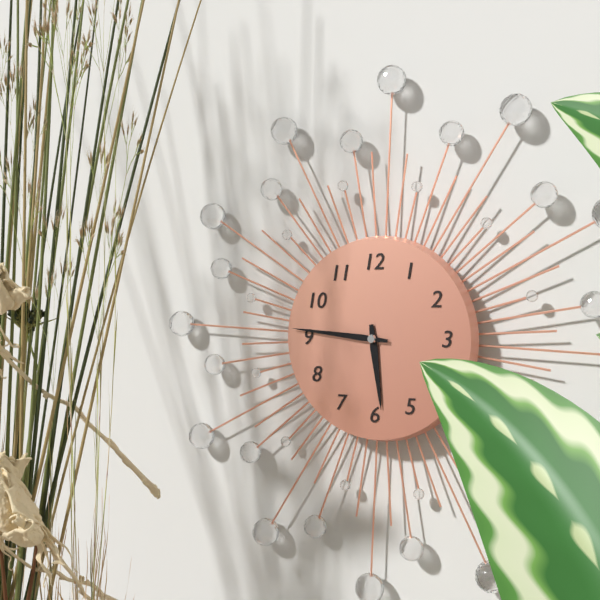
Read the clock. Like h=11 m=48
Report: h=5 m=46
